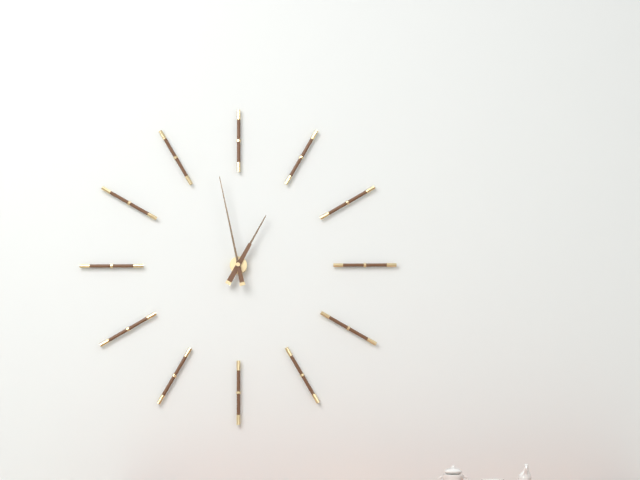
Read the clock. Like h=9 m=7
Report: h=12 m=58
